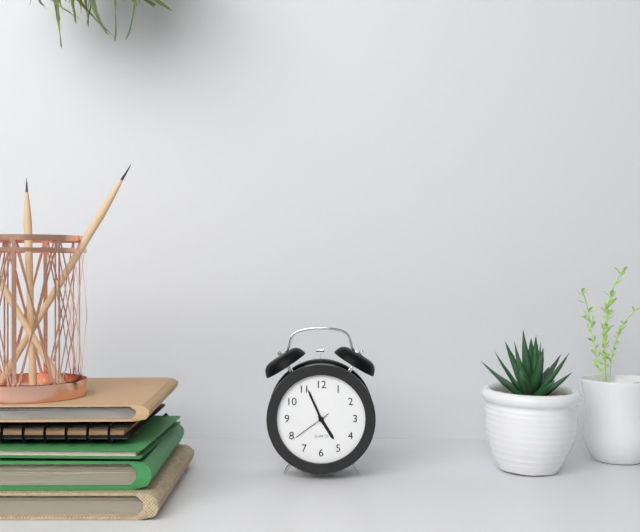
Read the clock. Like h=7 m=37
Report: h=4 m=56
